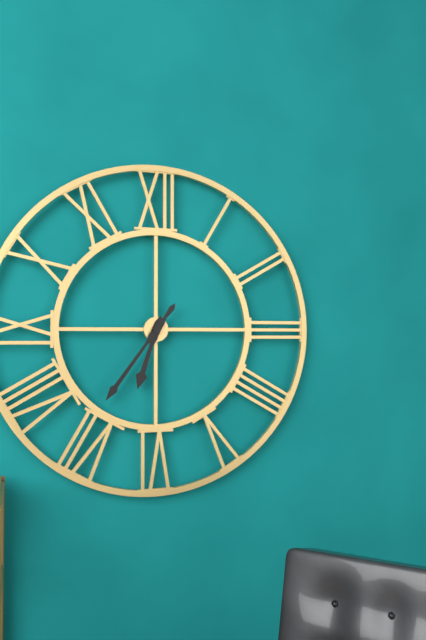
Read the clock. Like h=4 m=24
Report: h=6 m=36
